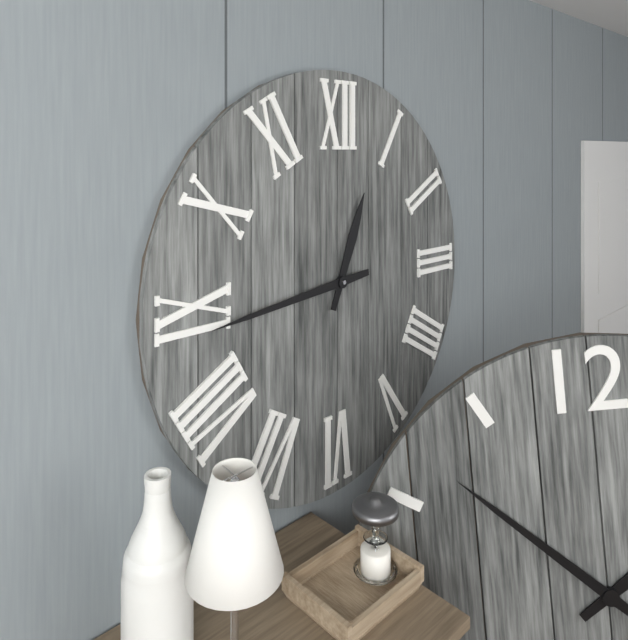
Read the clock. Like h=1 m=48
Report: h=12 m=44
